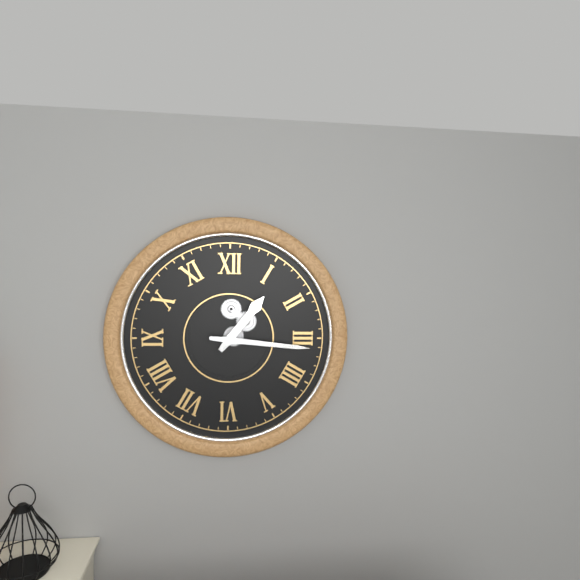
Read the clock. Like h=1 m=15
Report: h=1 m=16
